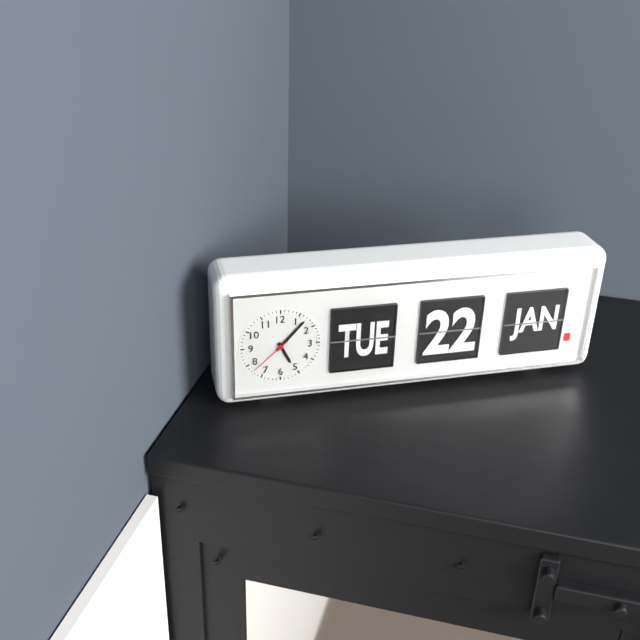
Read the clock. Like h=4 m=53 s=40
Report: h=5 m=7 s=38
